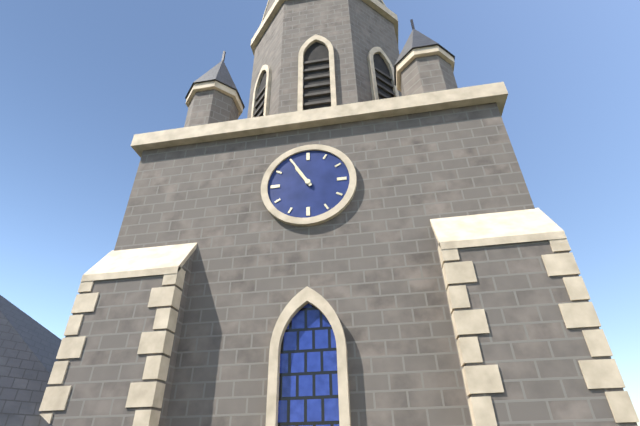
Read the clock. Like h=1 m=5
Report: h=10 m=55
